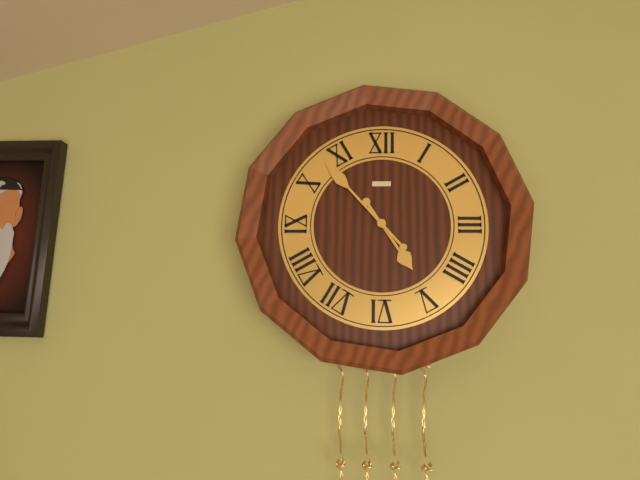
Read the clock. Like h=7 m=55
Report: h=4 m=53
